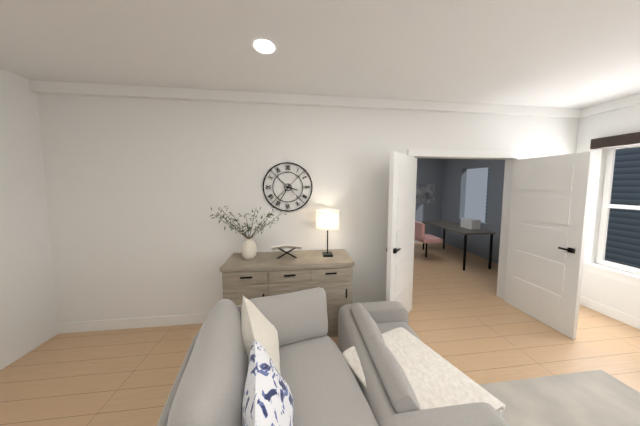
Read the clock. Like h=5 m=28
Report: h=3 m=35
